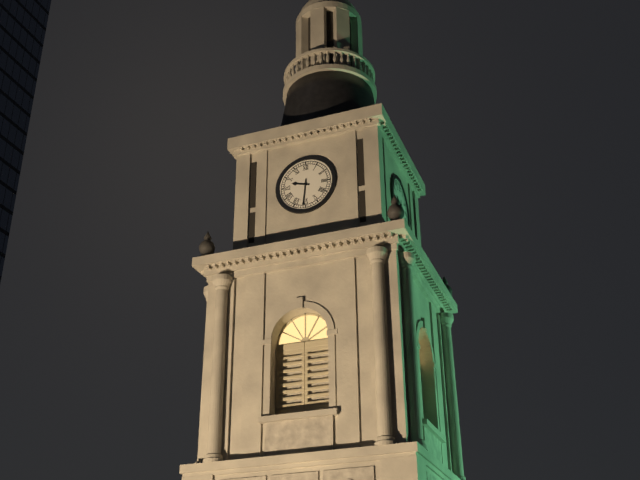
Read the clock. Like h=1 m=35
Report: h=9 m=31
